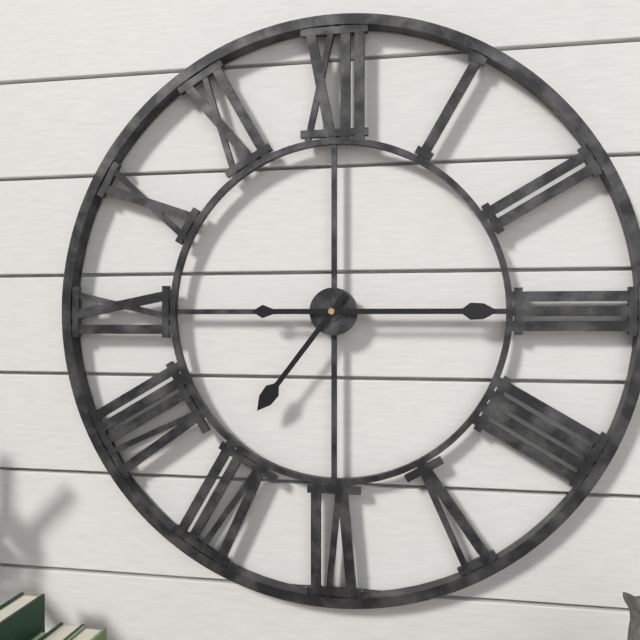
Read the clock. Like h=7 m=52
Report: h=7 m=15
